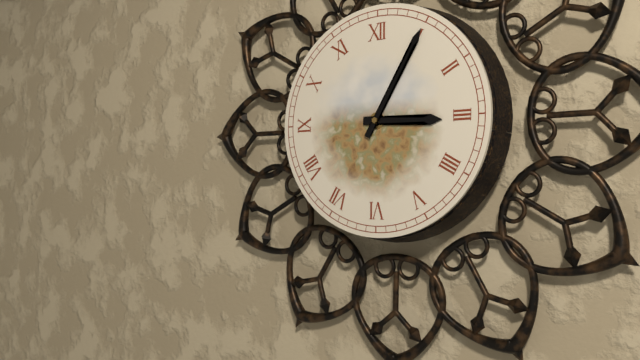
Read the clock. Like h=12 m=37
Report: h=3 m=5
